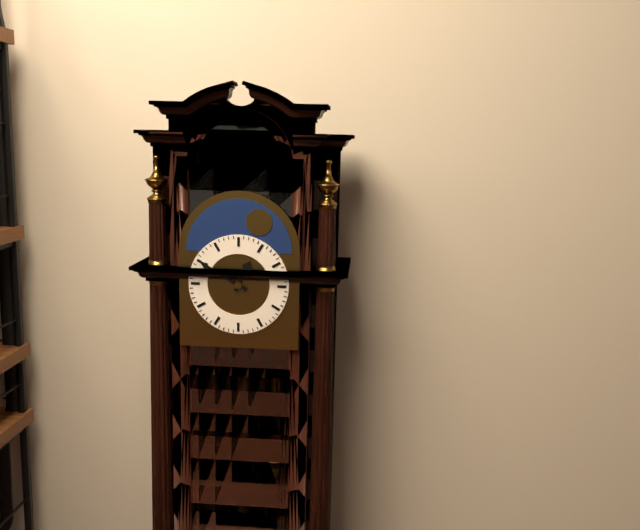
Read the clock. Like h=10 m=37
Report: h=12 m=50
